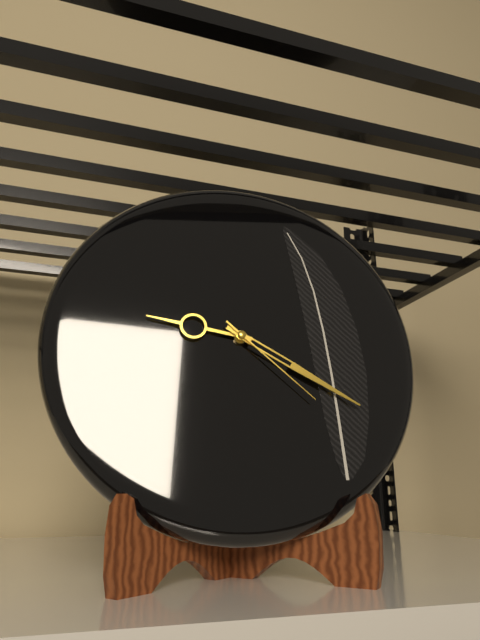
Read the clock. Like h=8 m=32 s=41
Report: h=9 m=20 s=22
